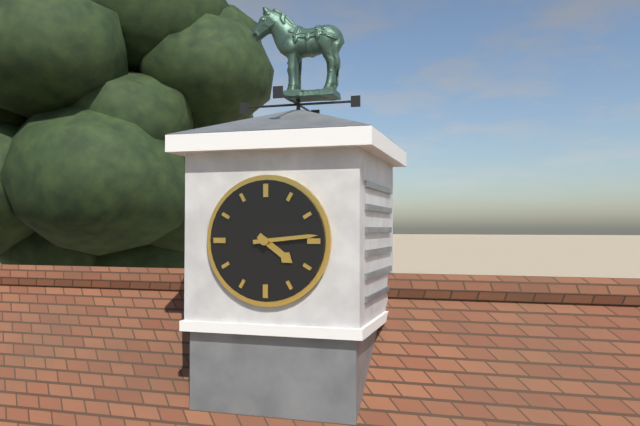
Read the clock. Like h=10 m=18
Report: h=4 m=14
